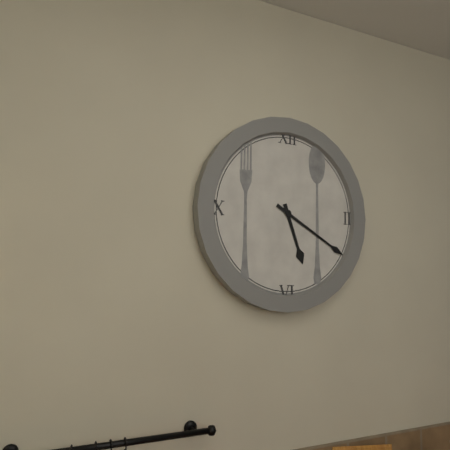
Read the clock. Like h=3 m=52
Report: h=5 m=20
